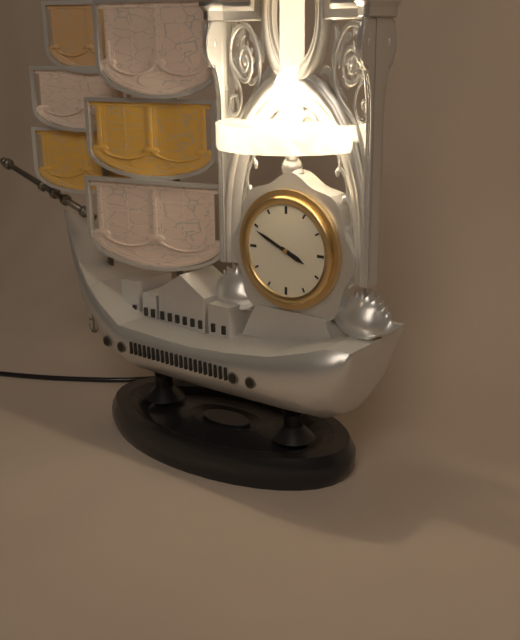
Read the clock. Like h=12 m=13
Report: h=3 m=49
